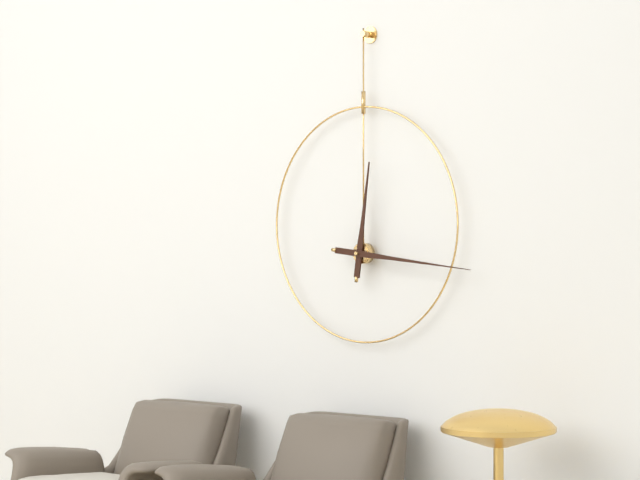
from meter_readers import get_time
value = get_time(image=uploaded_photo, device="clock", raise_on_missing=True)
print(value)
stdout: 12:16
